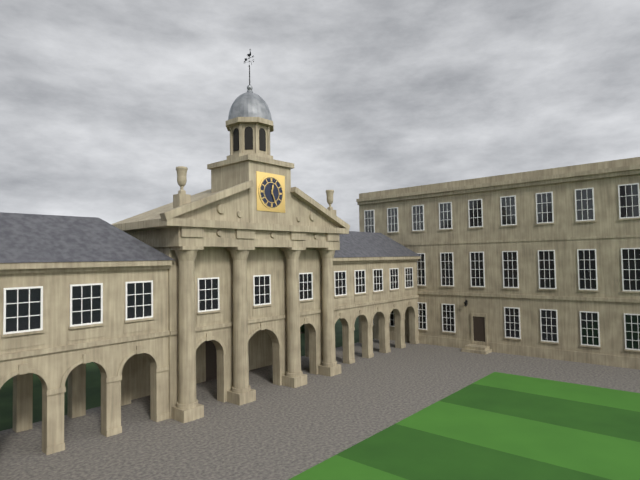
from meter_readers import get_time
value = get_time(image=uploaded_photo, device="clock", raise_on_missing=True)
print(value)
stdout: 12:26
